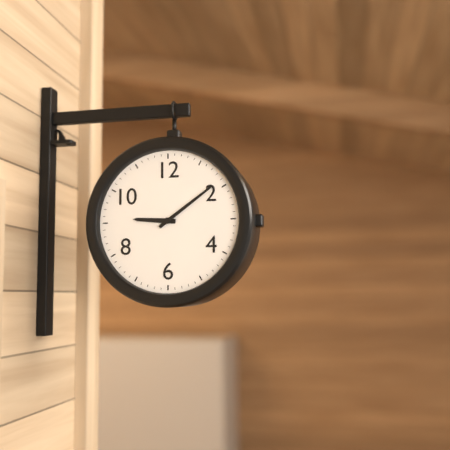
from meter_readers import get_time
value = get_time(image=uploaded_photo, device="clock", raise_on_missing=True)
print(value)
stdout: 9:09
